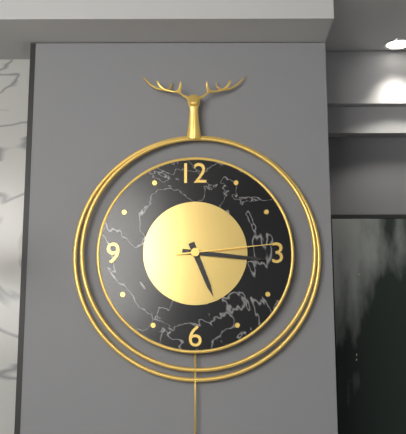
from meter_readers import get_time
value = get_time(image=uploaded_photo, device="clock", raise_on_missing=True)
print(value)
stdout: 5:16:14
